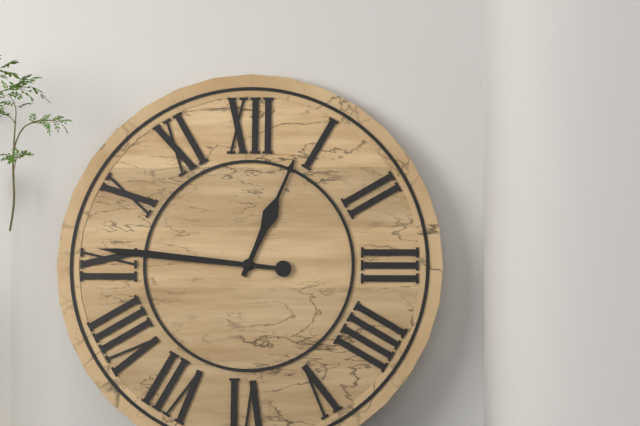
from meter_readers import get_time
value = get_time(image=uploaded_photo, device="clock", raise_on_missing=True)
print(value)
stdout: 12:46
